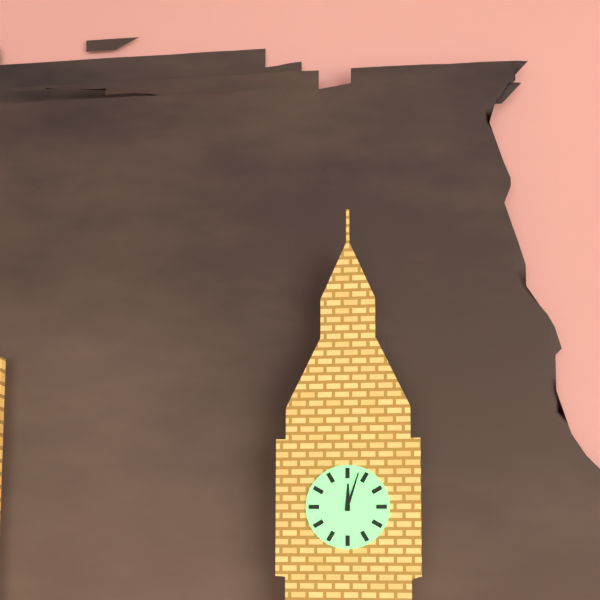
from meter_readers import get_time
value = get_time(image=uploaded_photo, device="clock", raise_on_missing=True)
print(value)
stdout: 12:03
